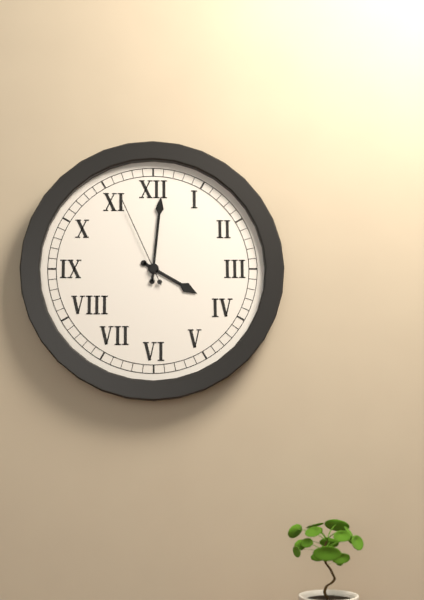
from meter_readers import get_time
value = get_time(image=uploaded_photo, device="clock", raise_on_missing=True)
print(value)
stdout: 4:01:56
